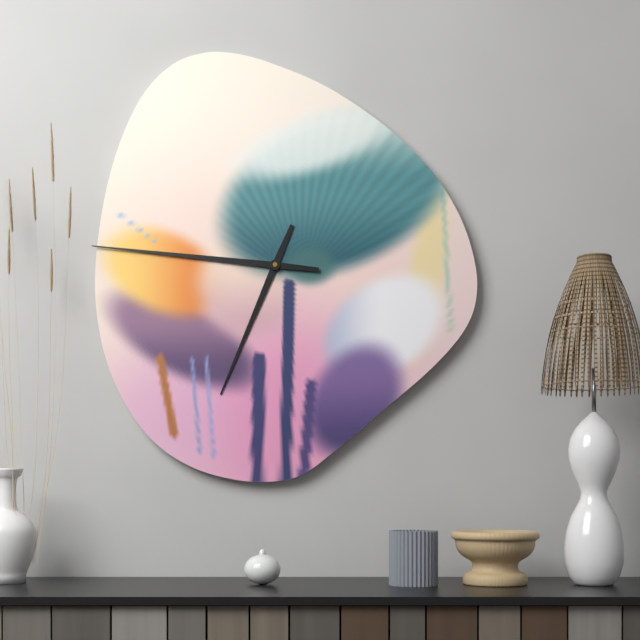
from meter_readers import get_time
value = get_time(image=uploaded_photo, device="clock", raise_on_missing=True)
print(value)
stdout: 6:46
